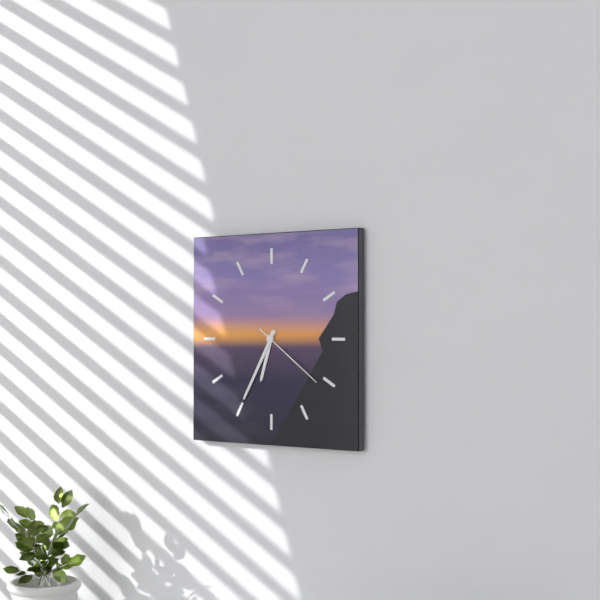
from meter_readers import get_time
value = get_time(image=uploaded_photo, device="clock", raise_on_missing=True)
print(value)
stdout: 6:35:21
